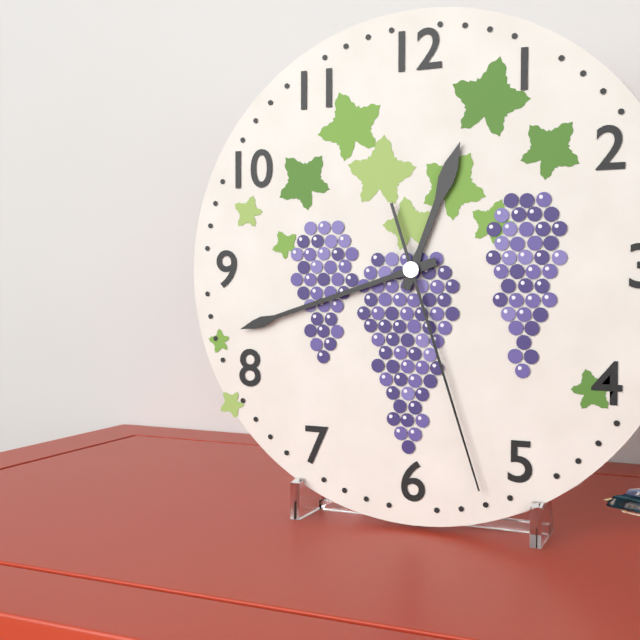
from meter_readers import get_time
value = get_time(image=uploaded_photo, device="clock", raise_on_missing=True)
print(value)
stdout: 12:42:27
